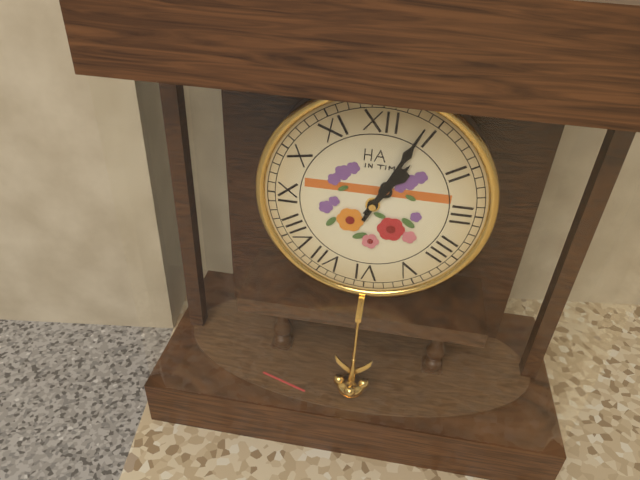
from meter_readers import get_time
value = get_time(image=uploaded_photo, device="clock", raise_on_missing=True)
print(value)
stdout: 1:04
